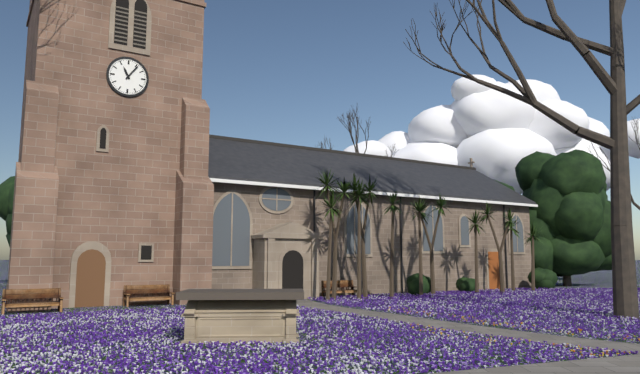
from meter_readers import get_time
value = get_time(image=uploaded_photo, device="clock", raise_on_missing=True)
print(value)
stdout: 11:06
